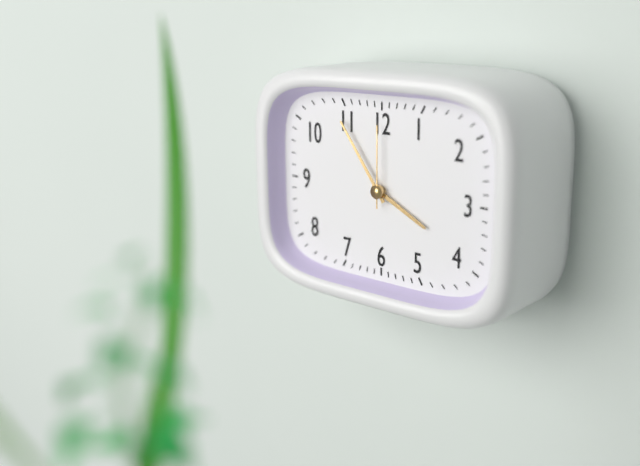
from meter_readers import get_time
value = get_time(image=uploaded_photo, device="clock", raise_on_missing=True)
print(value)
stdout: 3:54:00
